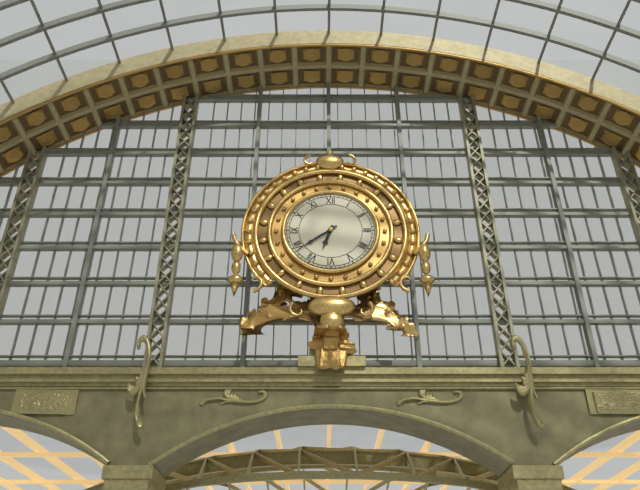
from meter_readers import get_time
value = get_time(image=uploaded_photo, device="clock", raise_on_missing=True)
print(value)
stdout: 6:39
